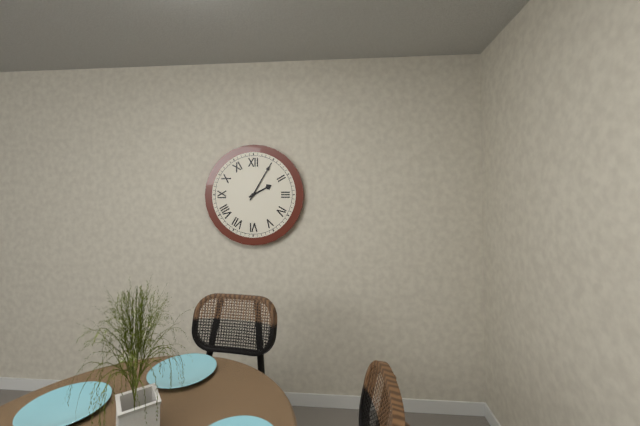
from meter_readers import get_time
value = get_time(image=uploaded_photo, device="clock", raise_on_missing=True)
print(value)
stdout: 2:05
